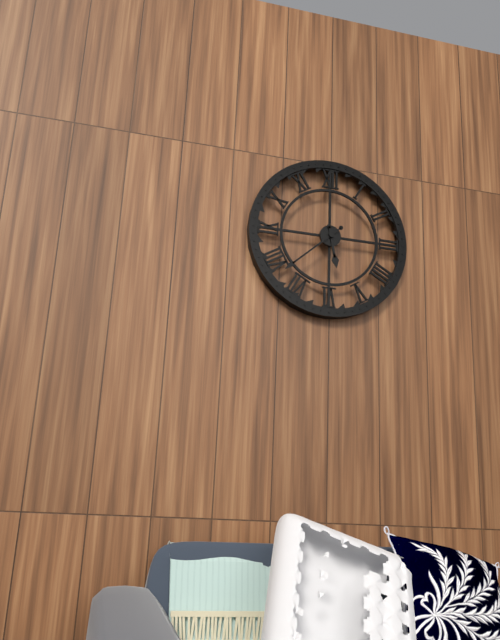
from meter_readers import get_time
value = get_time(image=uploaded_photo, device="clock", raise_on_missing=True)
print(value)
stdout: 5:38
